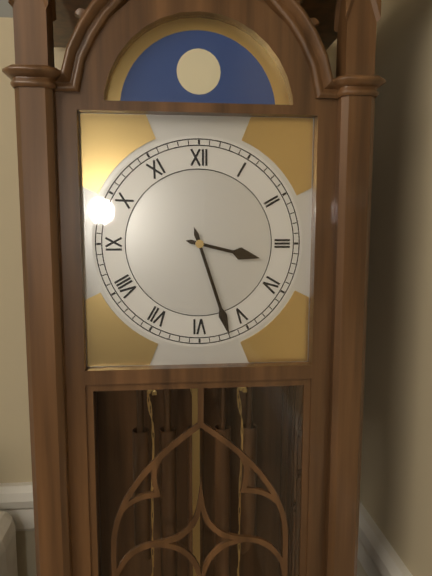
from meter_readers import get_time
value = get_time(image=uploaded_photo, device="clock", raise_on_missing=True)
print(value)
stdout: 3:27
